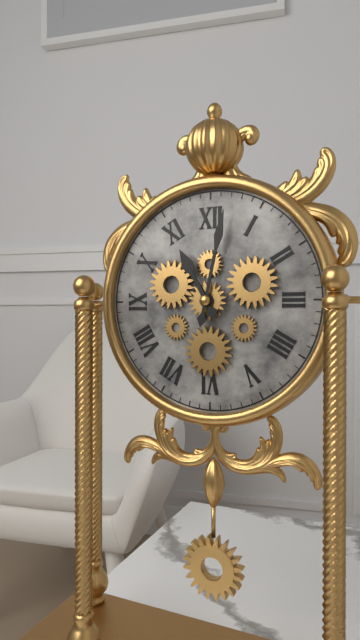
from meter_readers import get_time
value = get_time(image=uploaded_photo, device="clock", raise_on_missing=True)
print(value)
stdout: 11:02
